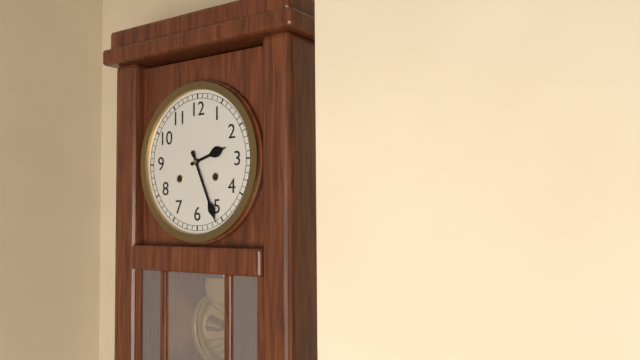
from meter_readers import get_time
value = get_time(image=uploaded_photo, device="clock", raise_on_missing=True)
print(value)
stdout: 2:26
